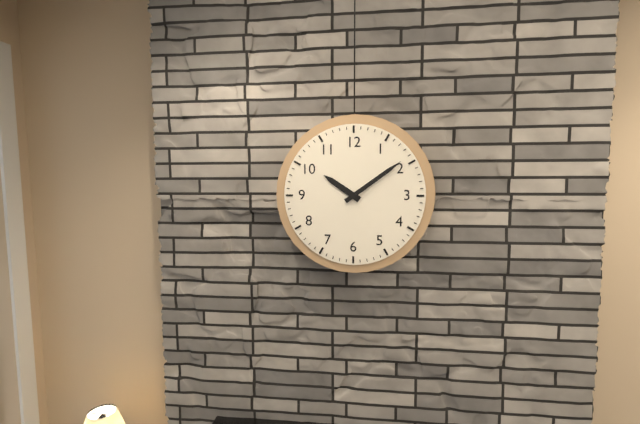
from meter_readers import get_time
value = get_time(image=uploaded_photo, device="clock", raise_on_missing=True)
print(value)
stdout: 10:09
